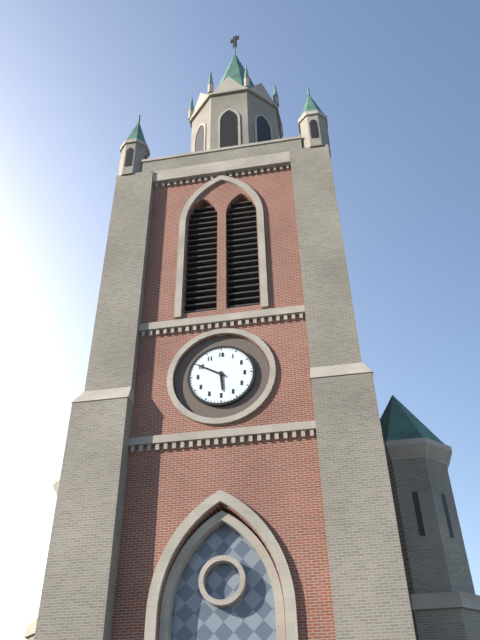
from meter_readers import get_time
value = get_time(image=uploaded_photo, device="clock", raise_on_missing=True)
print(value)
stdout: 5:50
